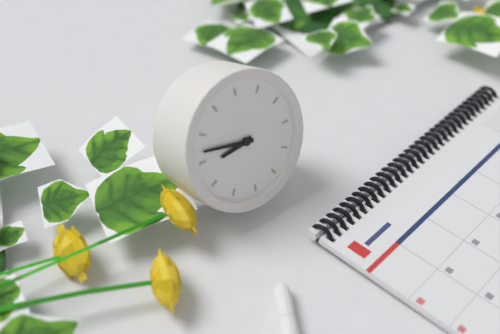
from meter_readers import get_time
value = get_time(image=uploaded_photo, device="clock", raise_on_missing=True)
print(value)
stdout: 8:47
